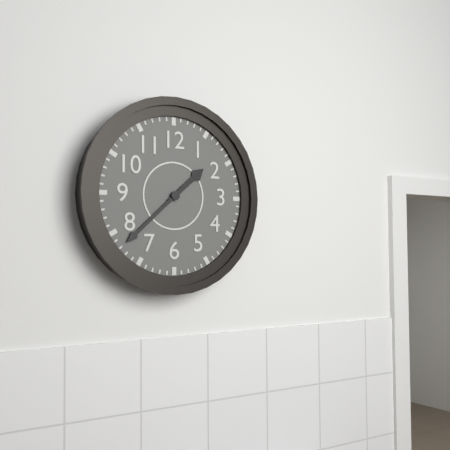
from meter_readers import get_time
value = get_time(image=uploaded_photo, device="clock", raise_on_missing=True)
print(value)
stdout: 1:38
